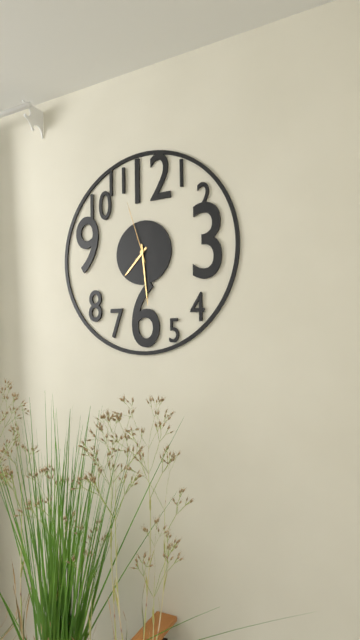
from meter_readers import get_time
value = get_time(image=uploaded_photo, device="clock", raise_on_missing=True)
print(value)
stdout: 7:29:57
